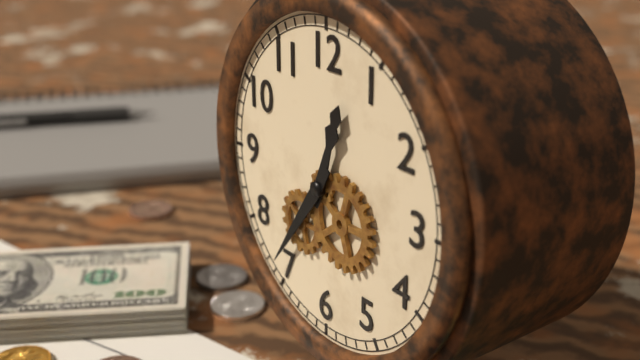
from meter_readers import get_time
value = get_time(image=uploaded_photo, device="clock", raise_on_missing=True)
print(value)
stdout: 12:36
